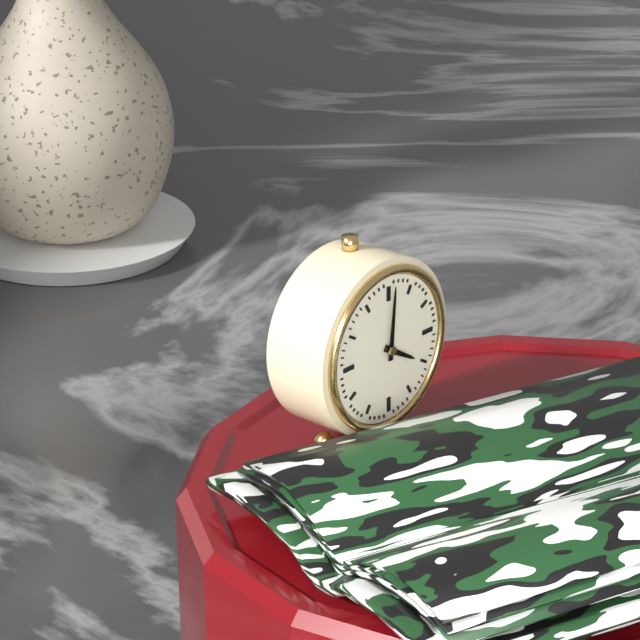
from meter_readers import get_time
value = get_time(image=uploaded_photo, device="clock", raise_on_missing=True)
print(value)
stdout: 4:01
